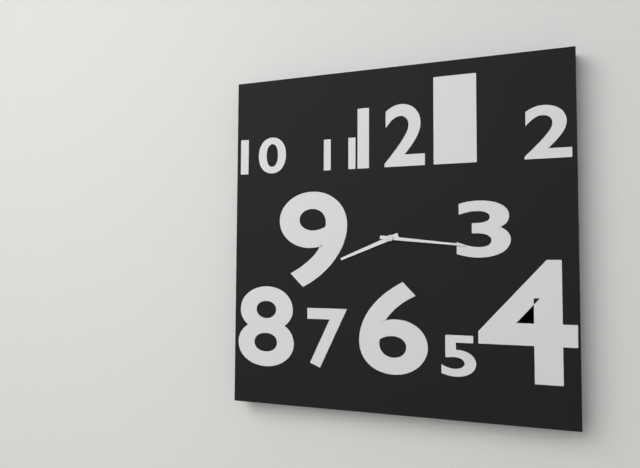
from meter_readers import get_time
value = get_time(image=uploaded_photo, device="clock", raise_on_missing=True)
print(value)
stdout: 8:16
